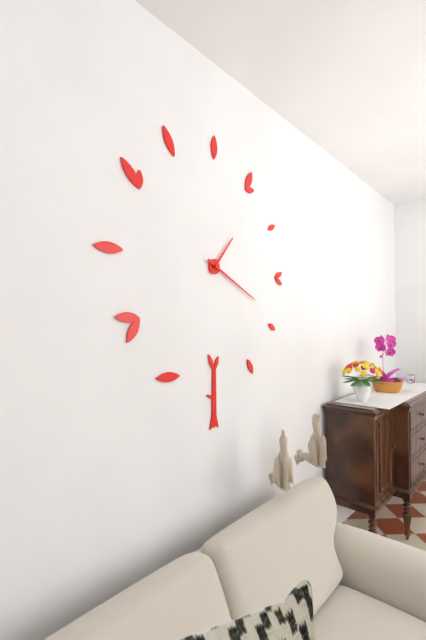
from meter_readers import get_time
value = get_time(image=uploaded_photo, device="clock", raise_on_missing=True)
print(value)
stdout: 1:19
